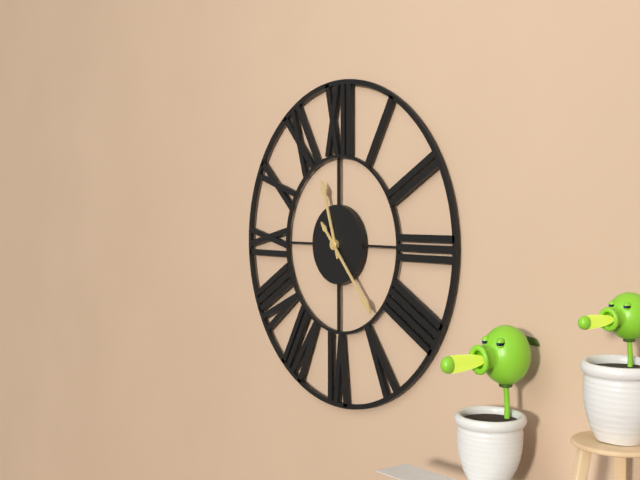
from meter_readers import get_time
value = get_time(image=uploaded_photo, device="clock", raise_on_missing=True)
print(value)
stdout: 11:23
